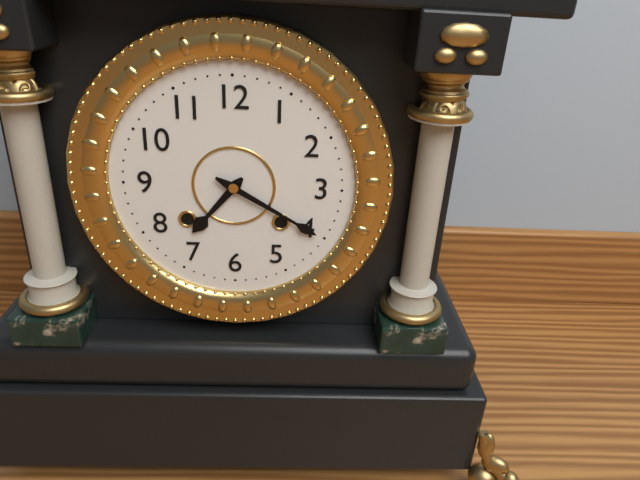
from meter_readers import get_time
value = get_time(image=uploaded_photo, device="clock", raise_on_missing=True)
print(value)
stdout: 7:20
